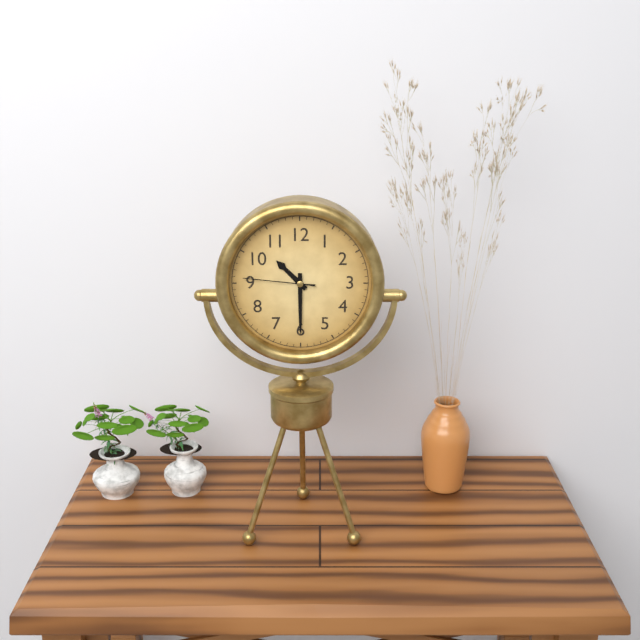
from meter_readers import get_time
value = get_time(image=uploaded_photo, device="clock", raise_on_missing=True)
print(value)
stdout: 10:30:46
